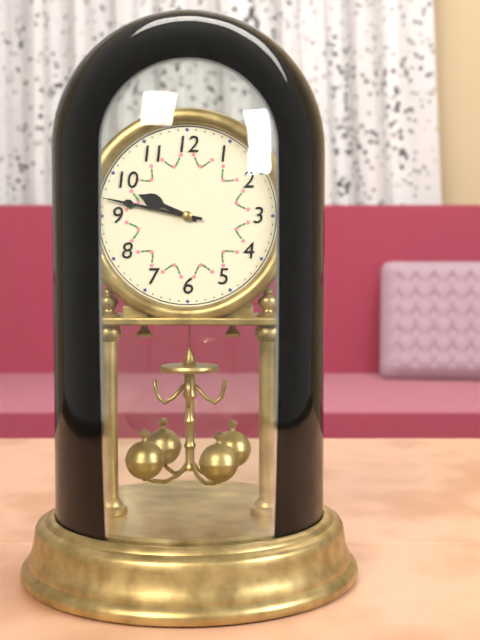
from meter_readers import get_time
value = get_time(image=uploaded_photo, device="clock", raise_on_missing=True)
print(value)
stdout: 9:47
